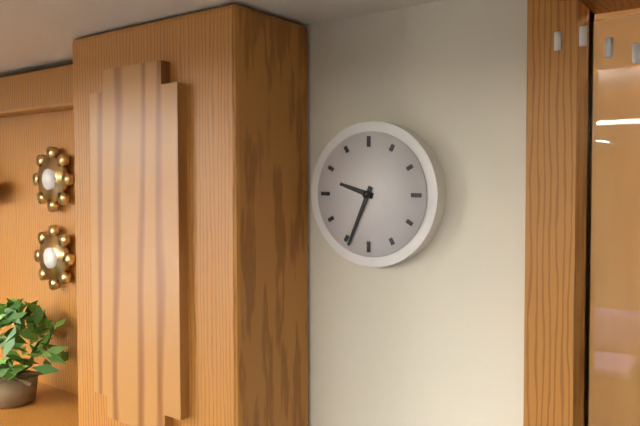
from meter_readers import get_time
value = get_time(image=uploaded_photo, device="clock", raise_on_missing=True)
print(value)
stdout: 9:34
